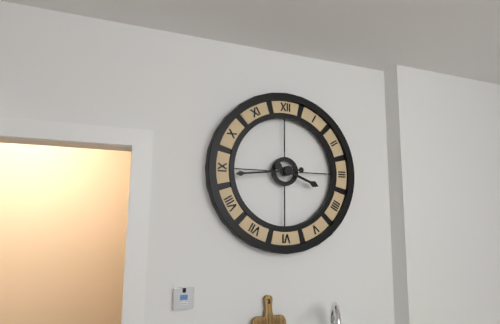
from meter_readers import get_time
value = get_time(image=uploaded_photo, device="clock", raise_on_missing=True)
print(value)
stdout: 3:44
